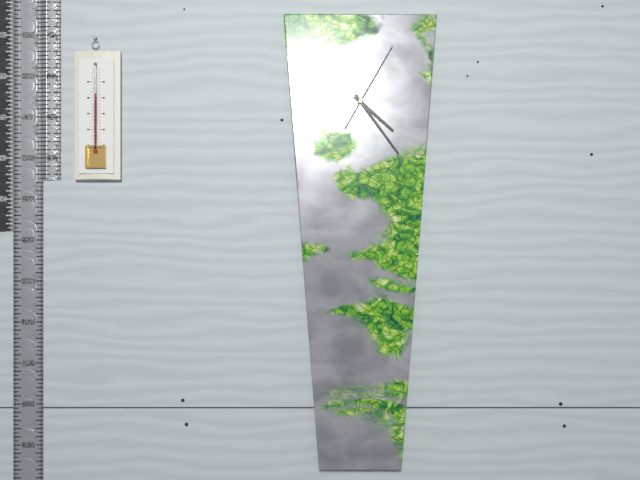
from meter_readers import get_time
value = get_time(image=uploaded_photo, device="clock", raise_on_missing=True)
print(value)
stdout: 4:24:05
